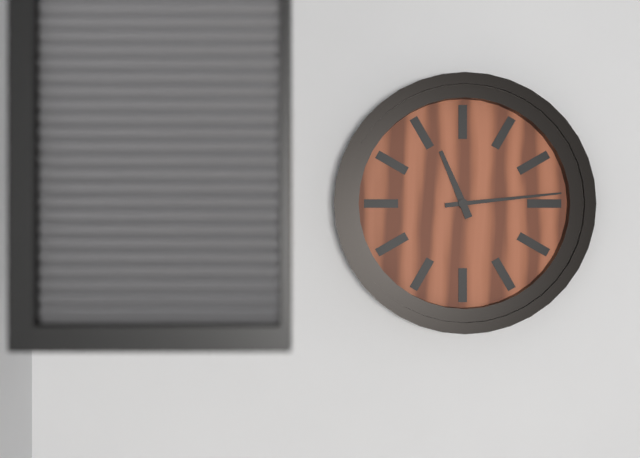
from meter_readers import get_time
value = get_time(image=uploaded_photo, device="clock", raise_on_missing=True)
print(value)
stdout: 11:14
